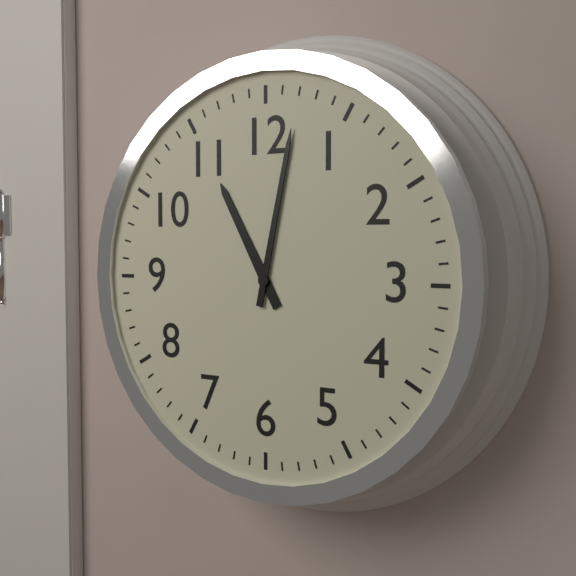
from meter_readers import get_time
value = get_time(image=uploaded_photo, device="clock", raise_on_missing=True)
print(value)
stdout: 11:02
